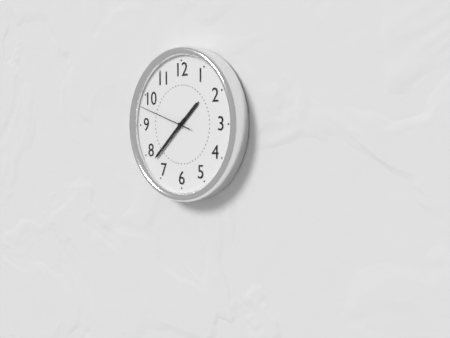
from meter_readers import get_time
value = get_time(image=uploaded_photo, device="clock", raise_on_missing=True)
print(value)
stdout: 1:38:48
